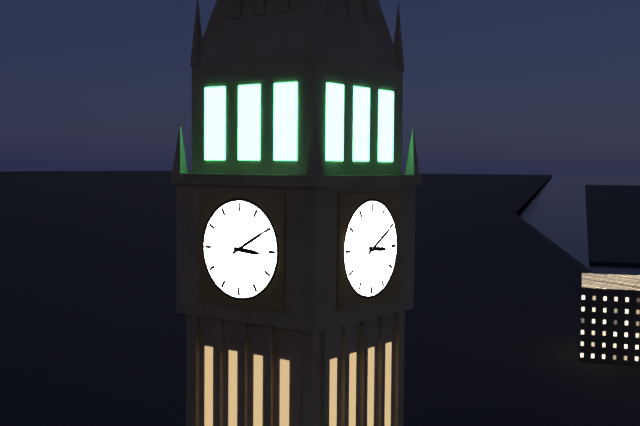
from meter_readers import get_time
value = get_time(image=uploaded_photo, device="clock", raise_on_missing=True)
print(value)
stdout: 3:10
